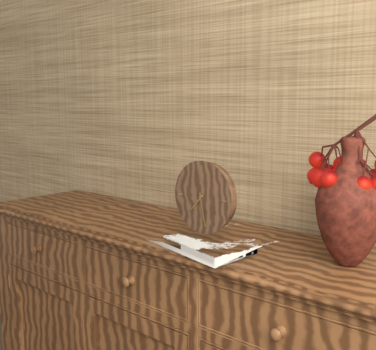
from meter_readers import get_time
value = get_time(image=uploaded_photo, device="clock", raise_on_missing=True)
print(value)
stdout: 7:28
